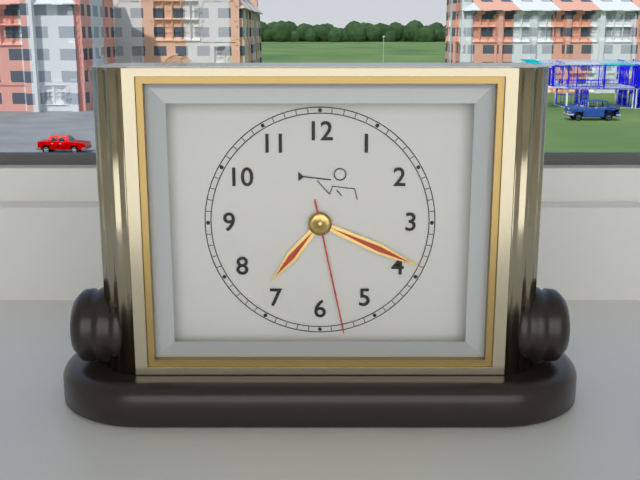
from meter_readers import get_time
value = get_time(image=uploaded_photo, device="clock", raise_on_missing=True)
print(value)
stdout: 7:19:28
